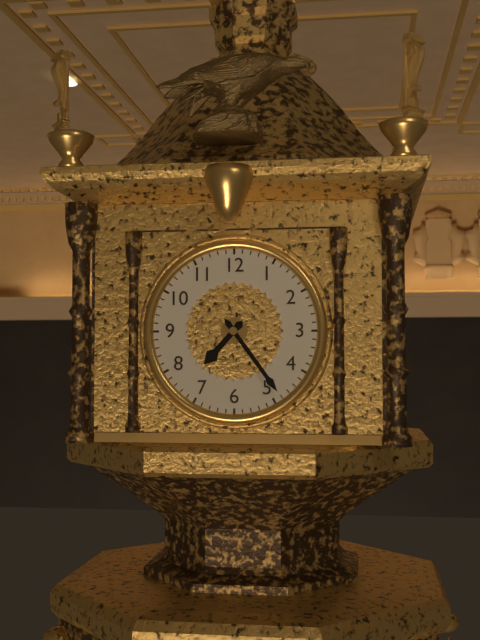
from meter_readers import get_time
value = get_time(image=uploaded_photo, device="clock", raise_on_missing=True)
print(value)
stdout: 7:24
